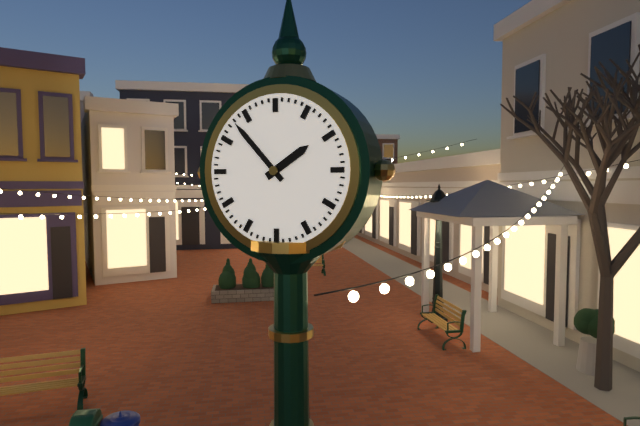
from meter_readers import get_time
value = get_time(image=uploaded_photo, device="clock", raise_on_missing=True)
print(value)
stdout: 1:53
